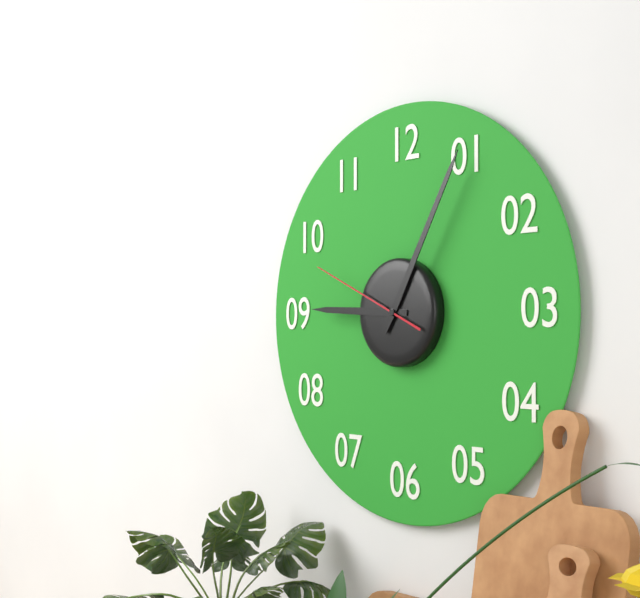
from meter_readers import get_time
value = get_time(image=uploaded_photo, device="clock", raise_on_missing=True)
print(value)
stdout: 9:05:49
